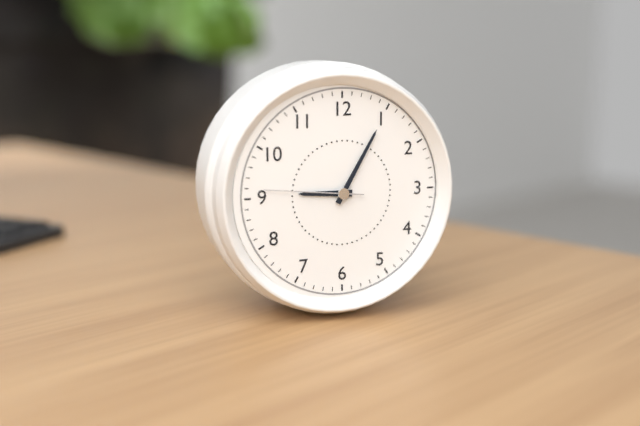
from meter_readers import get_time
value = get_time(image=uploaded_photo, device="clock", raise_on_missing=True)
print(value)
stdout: 9:05:46
